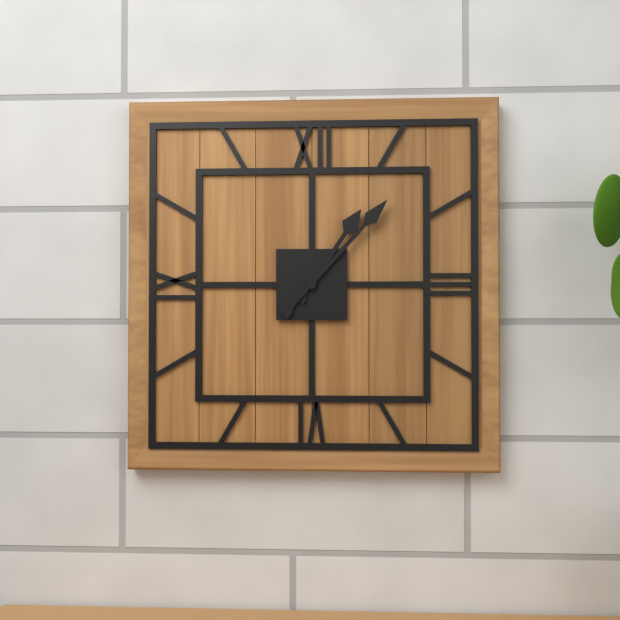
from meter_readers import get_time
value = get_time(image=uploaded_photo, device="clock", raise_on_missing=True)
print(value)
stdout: 1:07
